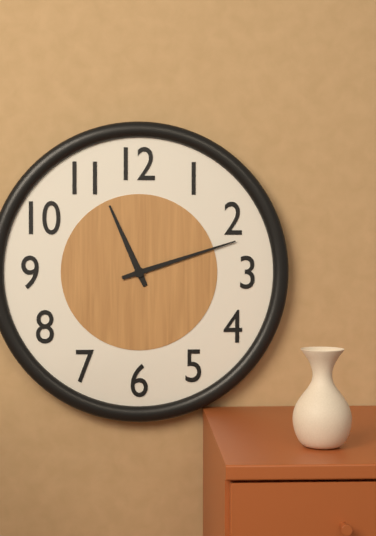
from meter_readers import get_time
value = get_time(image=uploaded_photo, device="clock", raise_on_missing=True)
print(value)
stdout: 11:12
